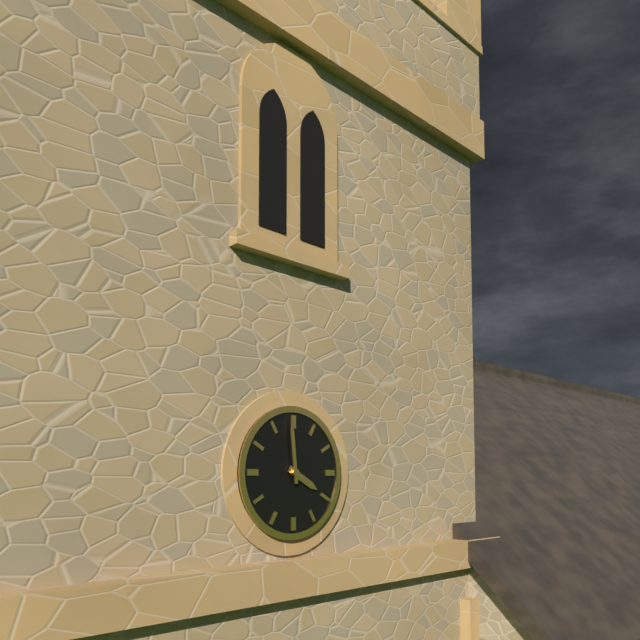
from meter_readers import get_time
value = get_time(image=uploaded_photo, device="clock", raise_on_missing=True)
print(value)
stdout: 3:59
